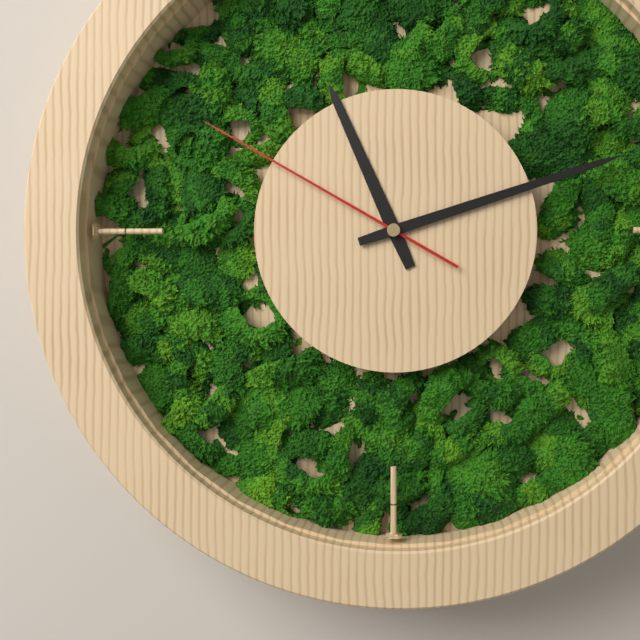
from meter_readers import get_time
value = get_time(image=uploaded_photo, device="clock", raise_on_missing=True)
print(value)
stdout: 11:12:50
